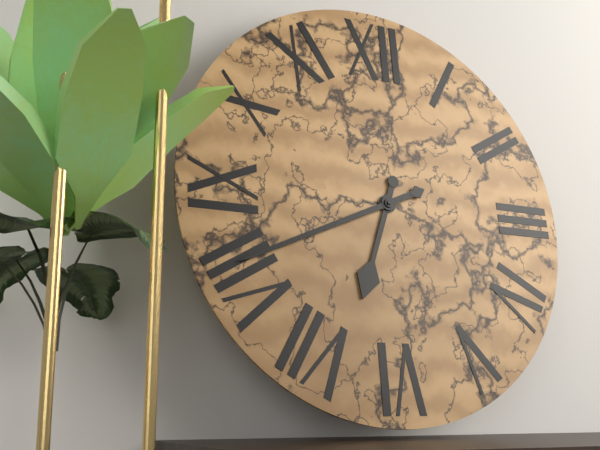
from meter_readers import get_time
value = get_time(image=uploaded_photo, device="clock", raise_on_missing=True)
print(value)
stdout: 6:41
